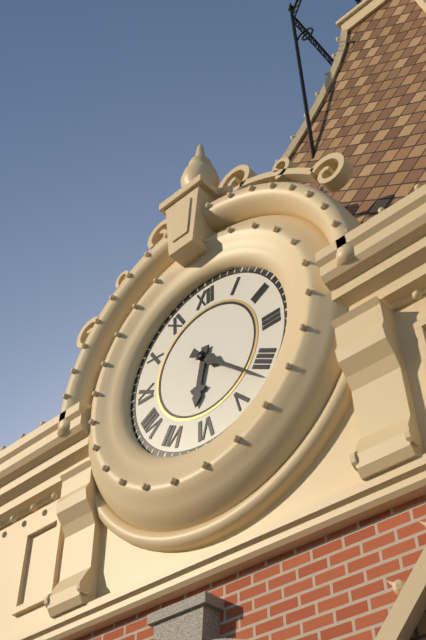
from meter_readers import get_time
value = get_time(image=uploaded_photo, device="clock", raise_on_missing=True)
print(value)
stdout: 6:22
